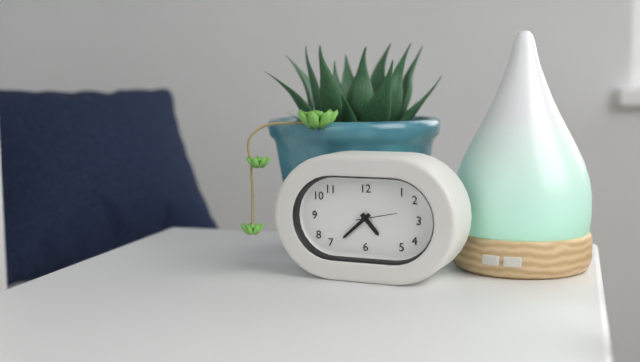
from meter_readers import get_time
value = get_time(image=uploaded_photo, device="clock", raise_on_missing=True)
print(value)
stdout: 4:38
